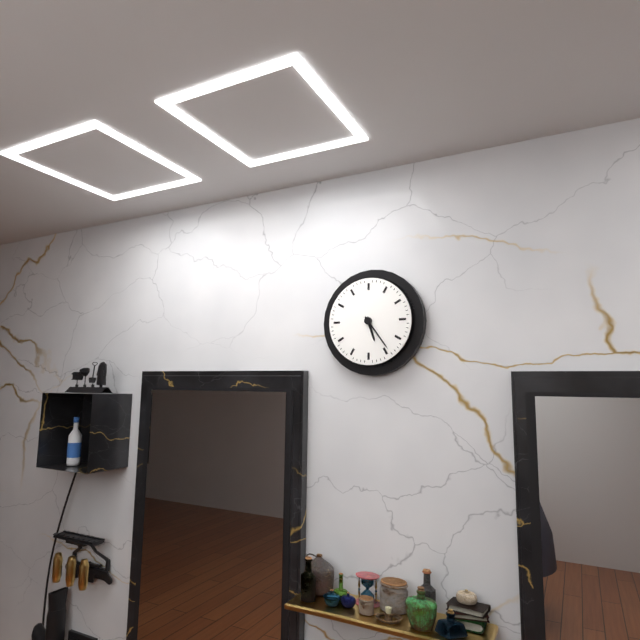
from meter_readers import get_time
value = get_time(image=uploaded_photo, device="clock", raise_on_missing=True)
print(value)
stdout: 5:24
